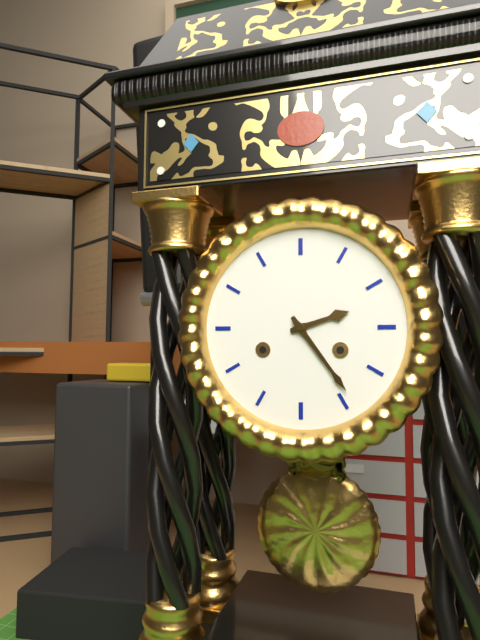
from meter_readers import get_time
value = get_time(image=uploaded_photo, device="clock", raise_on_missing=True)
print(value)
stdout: 2:24
